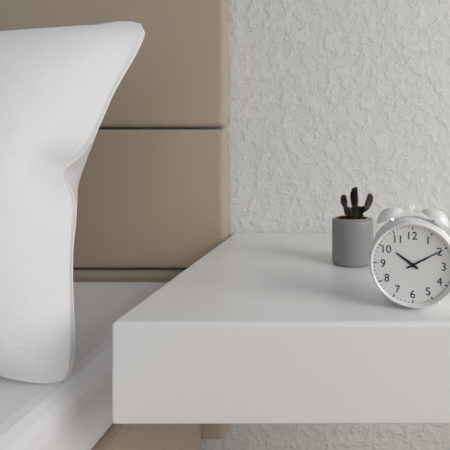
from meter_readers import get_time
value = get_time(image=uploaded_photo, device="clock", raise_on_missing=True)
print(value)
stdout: 10:10
